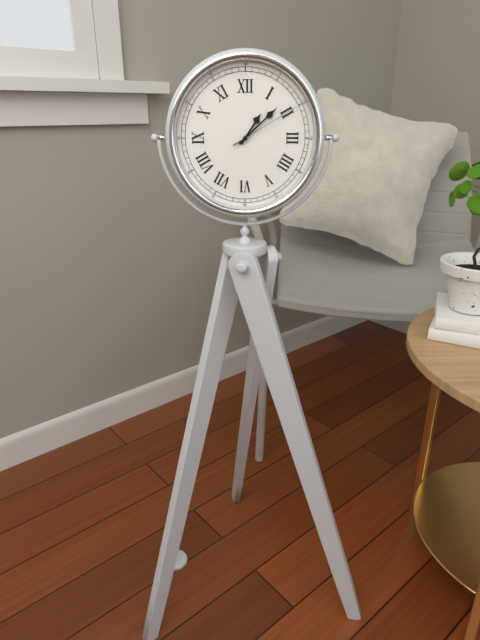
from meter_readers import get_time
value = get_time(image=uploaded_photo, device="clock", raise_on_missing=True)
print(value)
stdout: 1:08:10
